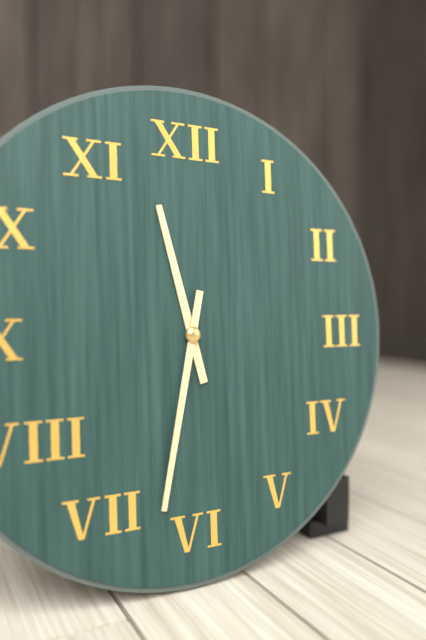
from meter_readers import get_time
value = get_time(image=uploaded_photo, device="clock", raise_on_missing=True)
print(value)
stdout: 11:32
